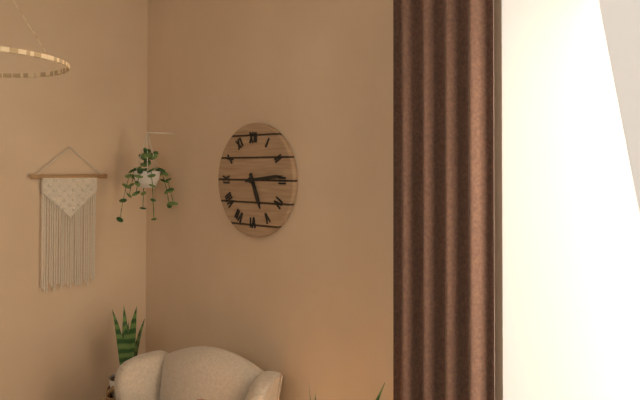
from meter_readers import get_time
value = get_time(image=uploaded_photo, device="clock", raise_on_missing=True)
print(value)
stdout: 5:14
